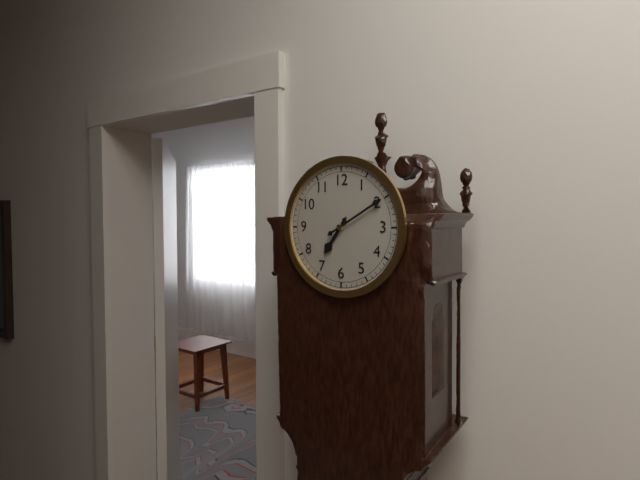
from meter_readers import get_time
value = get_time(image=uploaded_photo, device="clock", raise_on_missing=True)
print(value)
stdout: 7:10
